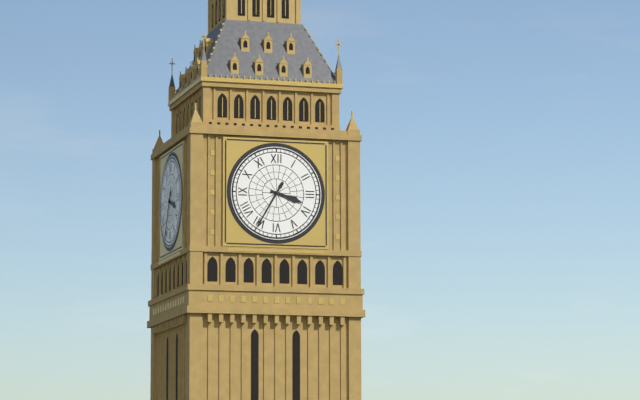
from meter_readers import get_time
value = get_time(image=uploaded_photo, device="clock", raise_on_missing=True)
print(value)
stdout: 3:35
